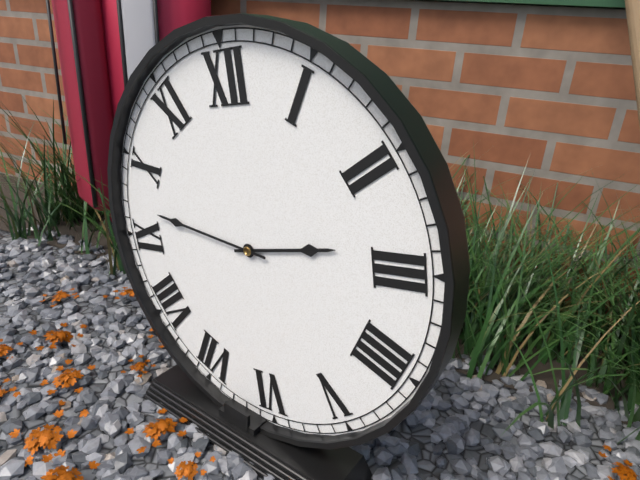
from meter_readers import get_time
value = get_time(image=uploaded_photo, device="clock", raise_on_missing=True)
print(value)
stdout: 2:47
